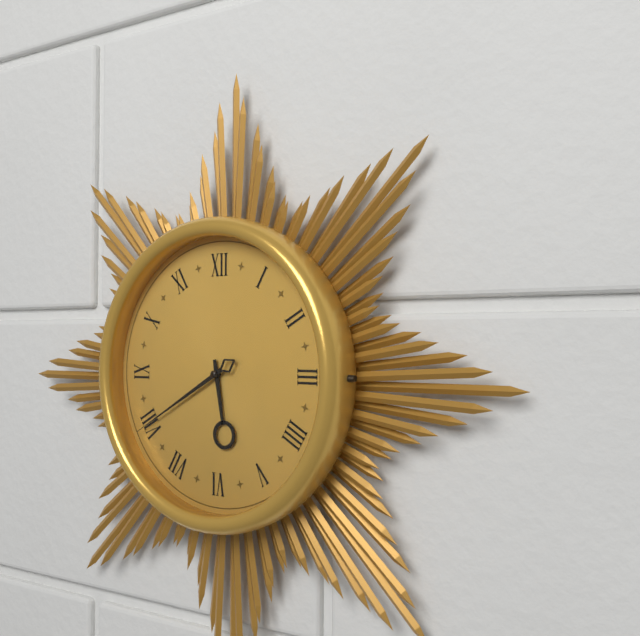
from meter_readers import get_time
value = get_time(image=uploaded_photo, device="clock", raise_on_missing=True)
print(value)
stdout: 5:40
